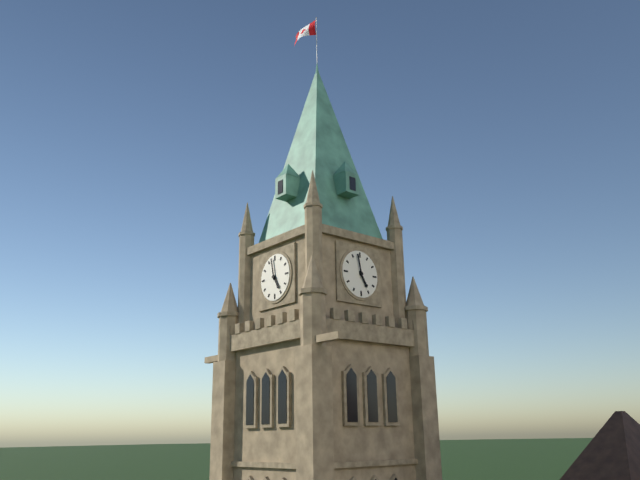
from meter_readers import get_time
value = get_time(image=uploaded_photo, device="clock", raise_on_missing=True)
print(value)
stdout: 4:58
